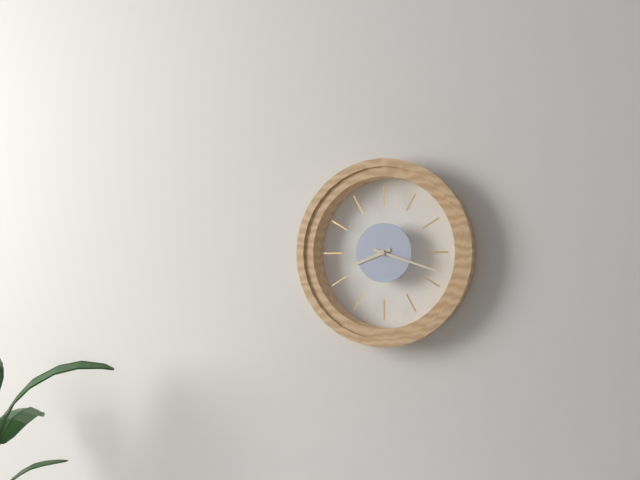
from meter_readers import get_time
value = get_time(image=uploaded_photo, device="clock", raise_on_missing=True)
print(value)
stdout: 8:18
